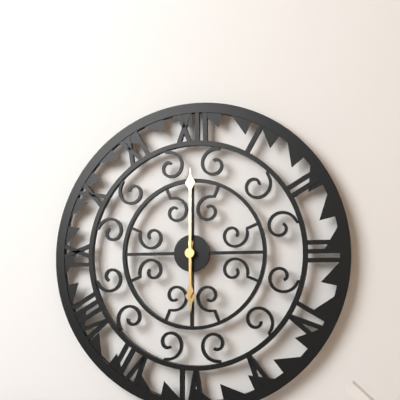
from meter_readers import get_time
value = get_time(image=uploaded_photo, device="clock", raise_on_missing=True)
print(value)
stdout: 6:00
